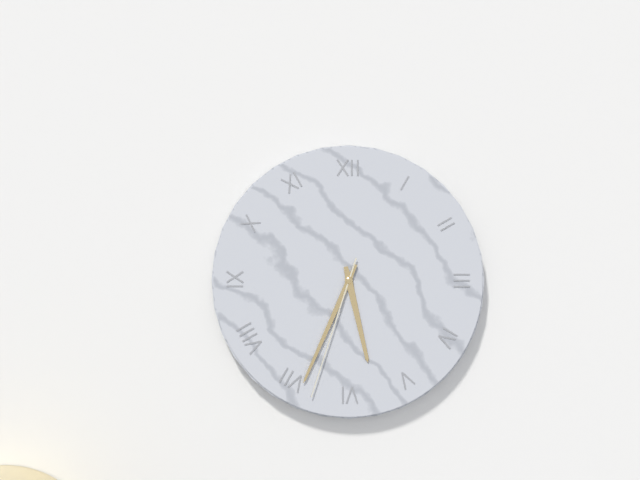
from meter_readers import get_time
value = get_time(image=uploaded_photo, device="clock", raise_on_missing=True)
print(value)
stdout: 5:34:33
